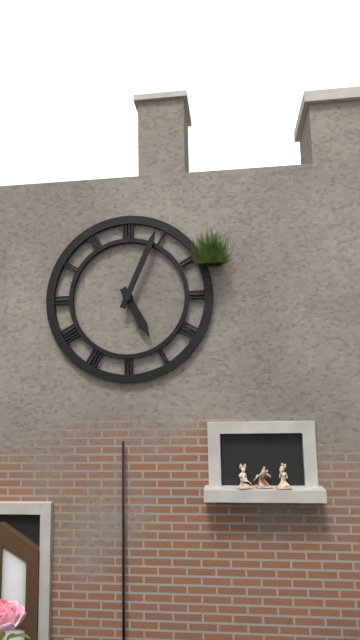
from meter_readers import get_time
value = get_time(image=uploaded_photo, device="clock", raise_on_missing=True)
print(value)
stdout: 5:04
